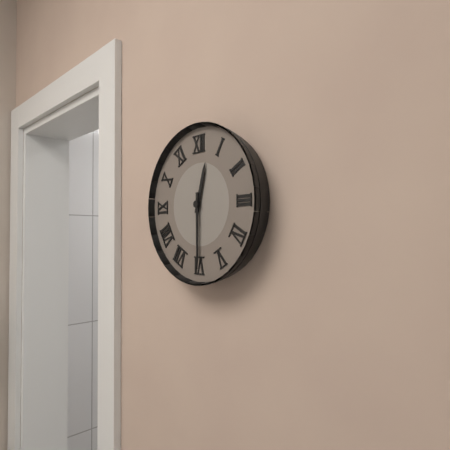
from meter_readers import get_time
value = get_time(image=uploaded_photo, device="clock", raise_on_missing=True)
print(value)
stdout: 12:30
